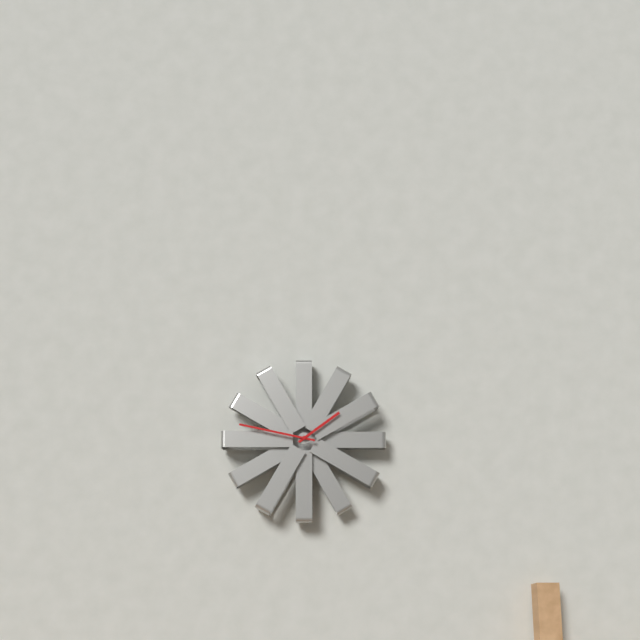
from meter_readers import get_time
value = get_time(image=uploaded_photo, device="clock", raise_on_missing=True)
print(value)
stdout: 1:47
